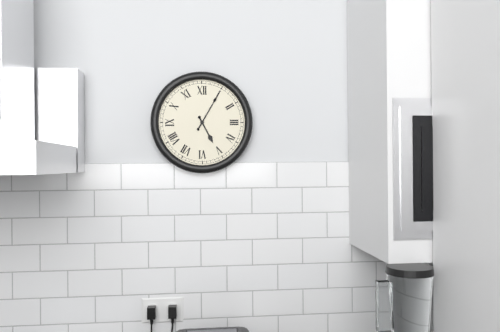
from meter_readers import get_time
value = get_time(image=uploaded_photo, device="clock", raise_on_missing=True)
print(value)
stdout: 5:05
